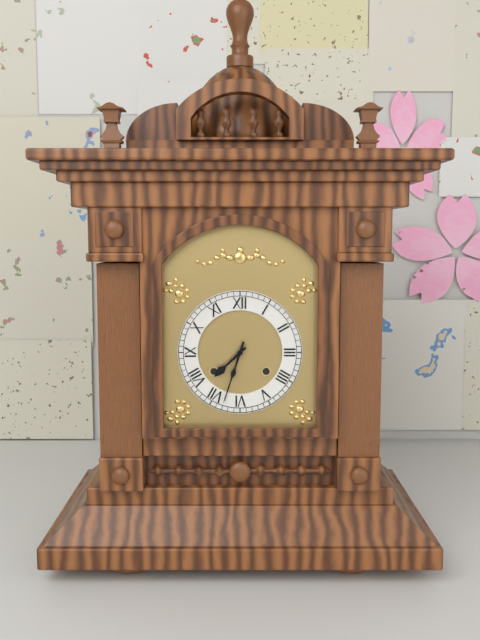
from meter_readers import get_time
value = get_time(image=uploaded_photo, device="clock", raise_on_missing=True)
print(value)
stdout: 7:33
